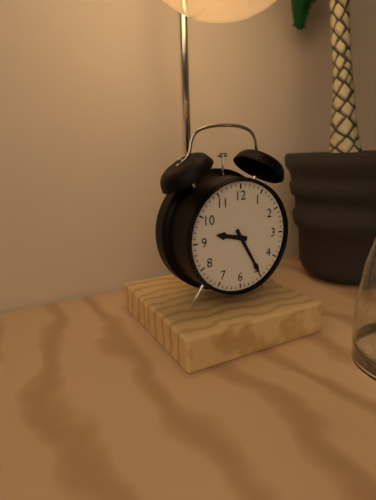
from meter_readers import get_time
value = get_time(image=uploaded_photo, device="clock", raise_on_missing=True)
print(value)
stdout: 9:25
